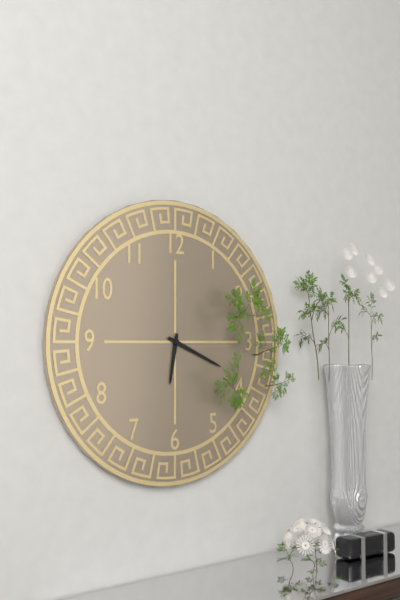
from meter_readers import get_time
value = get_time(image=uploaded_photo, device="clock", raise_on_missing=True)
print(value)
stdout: 6:19
